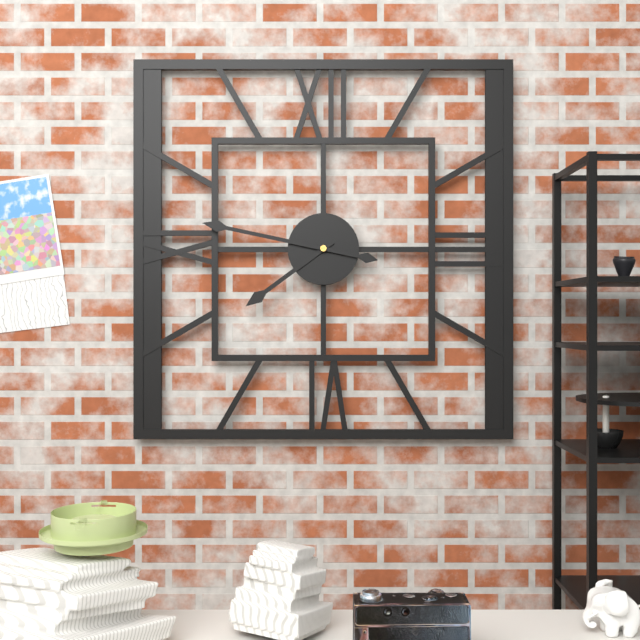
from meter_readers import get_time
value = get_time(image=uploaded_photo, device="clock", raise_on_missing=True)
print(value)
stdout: 7:47
